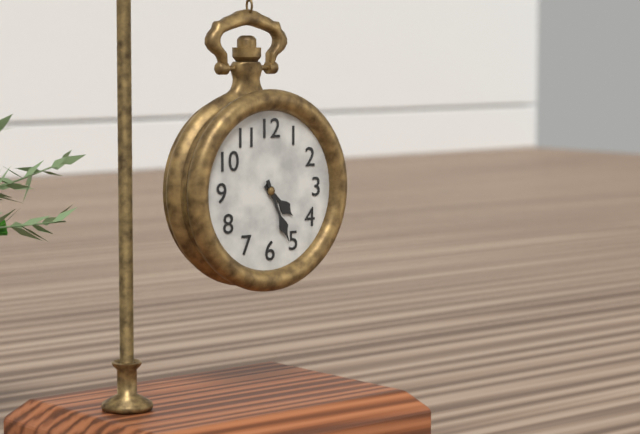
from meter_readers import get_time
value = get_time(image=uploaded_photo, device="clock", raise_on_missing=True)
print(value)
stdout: 4:26
